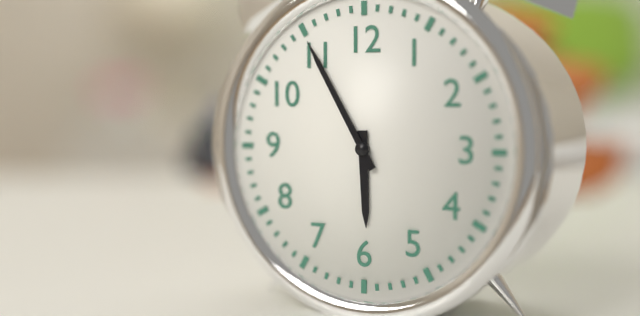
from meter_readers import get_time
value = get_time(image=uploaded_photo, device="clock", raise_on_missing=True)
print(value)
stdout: 5:55
